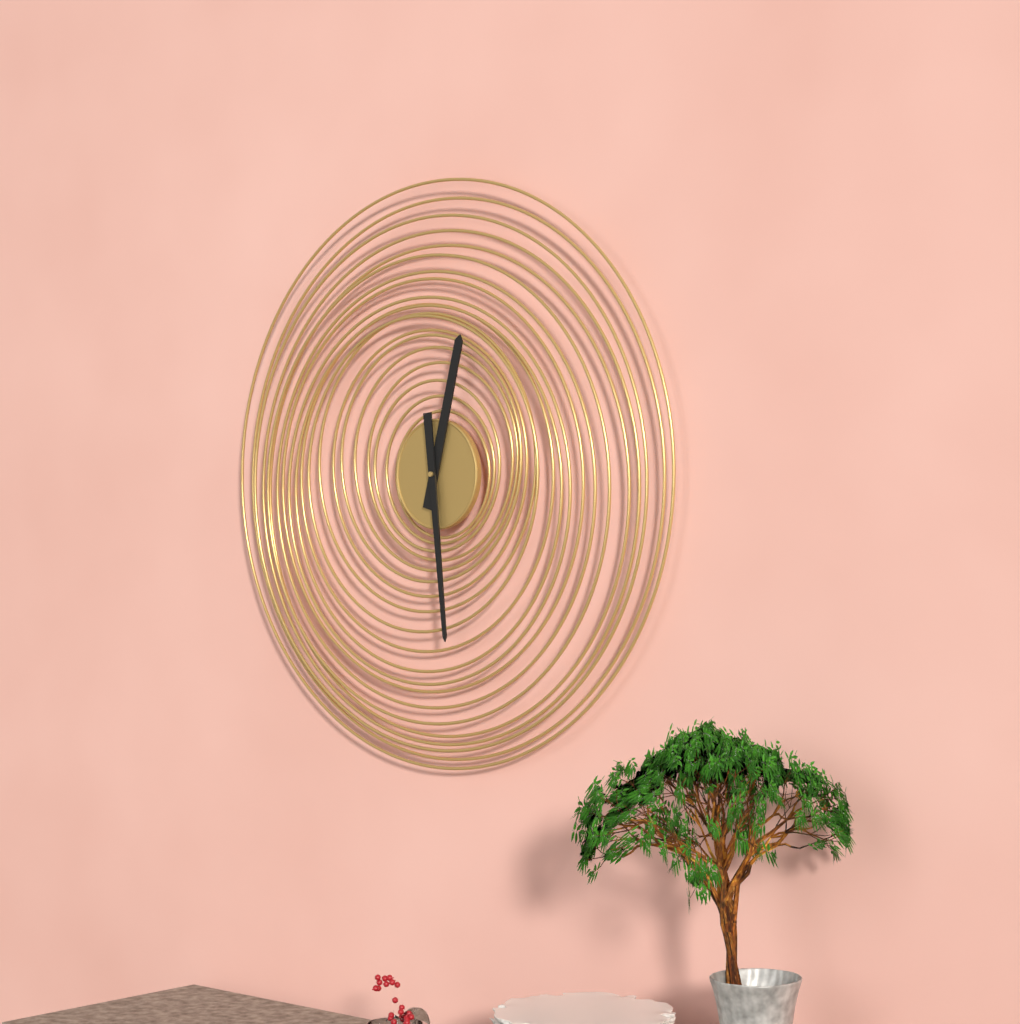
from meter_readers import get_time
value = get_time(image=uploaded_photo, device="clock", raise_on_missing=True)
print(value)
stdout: 12:29
